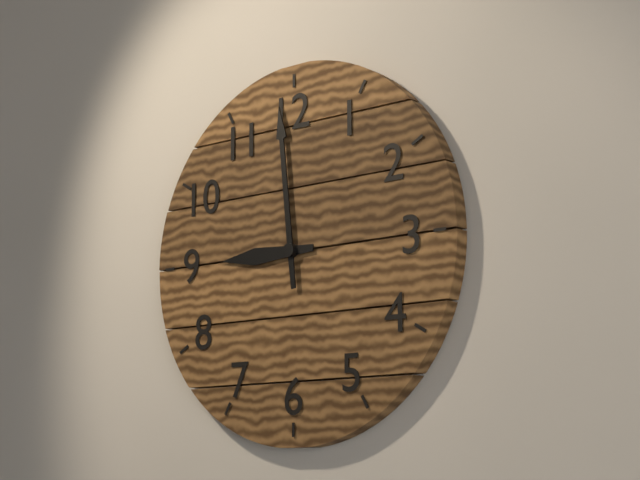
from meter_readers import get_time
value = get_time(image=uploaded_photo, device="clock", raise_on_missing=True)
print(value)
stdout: 8:59
